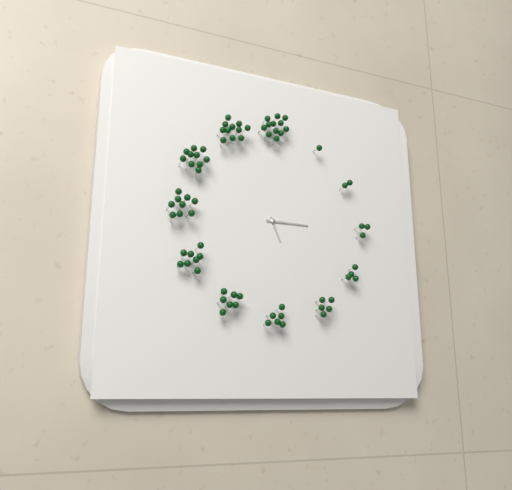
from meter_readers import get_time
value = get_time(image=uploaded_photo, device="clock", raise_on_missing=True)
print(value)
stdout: 5:15
